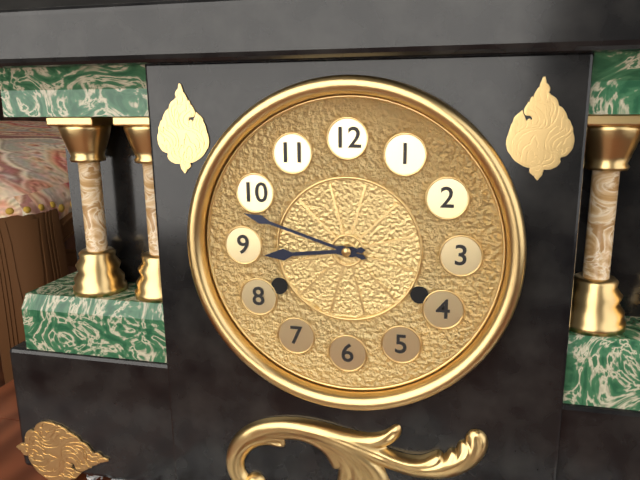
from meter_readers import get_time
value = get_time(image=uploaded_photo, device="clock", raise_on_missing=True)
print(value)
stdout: 8:48
